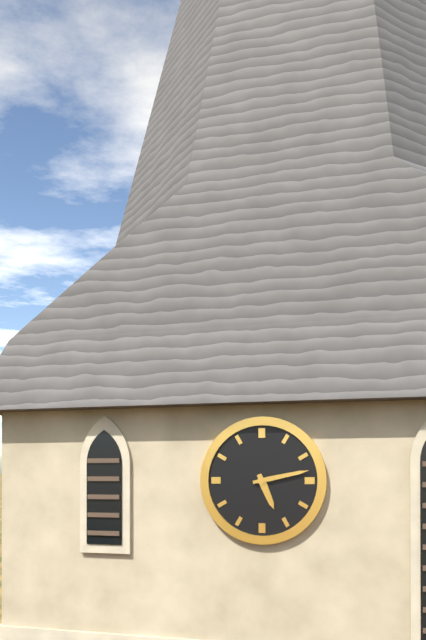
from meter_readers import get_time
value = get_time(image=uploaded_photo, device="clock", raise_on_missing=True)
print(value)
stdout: 5:13
